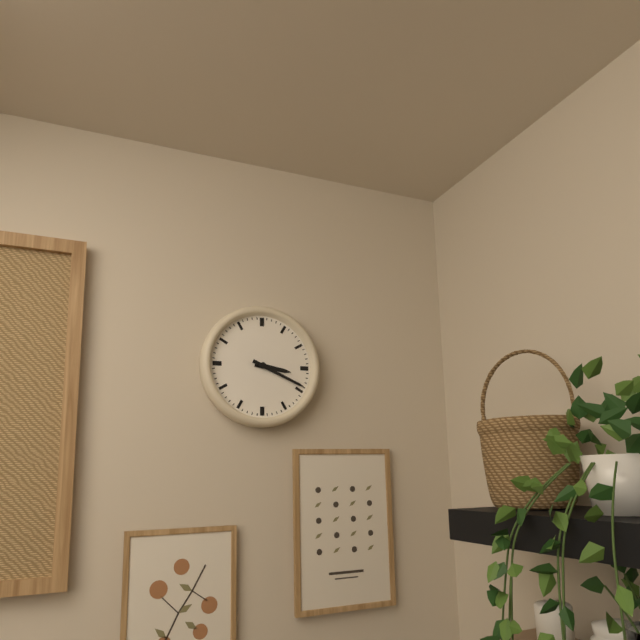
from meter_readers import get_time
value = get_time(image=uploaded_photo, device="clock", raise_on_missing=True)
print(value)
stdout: 3:19
